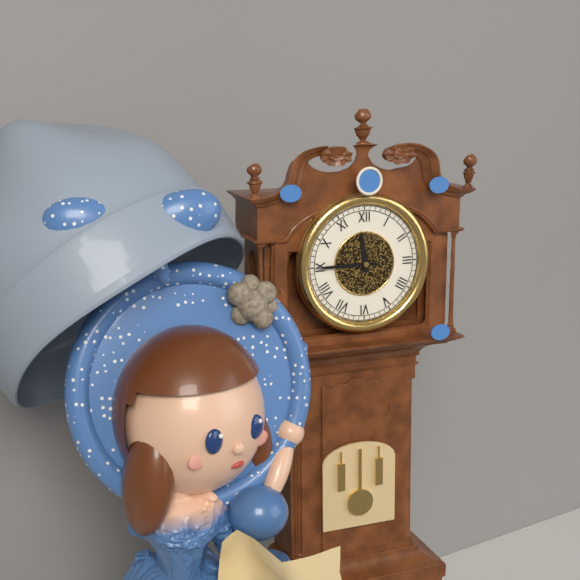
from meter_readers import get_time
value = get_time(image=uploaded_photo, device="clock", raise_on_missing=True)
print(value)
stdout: 11:45
